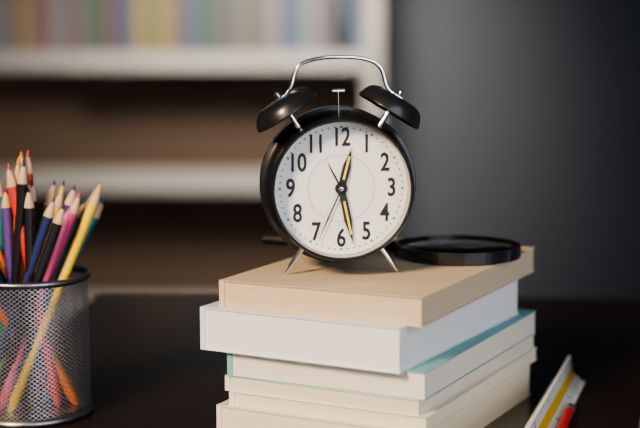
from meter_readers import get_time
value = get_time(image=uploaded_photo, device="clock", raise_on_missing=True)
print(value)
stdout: 12:28:34
